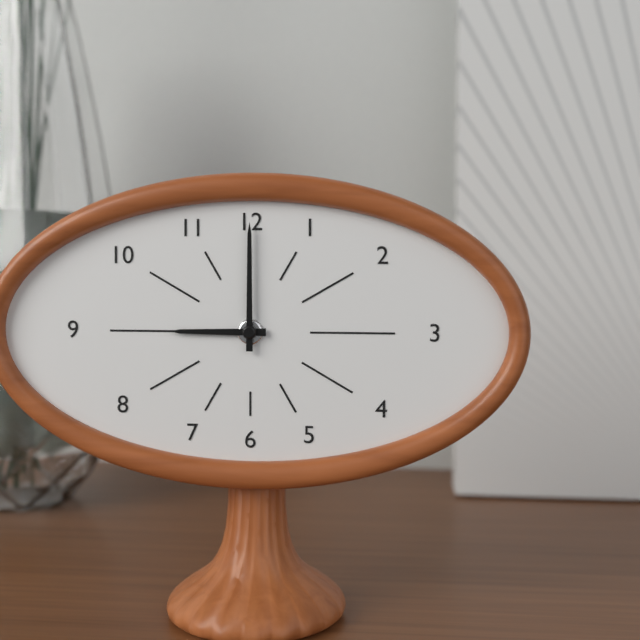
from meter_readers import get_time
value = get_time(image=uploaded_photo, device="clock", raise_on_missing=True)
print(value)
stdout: 9:00
